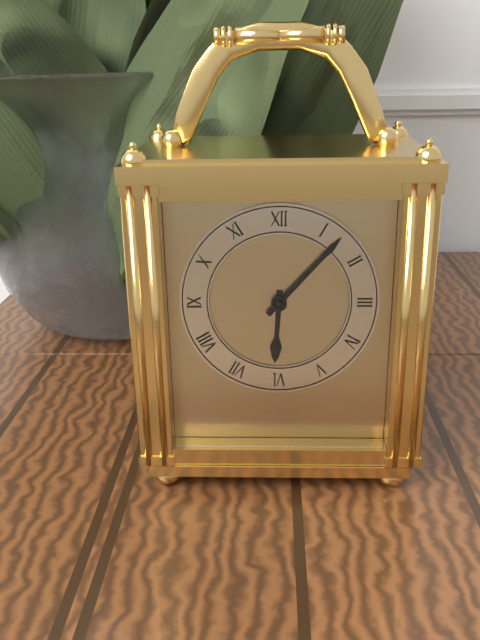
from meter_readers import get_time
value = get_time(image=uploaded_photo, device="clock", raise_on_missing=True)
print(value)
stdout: 6:07
